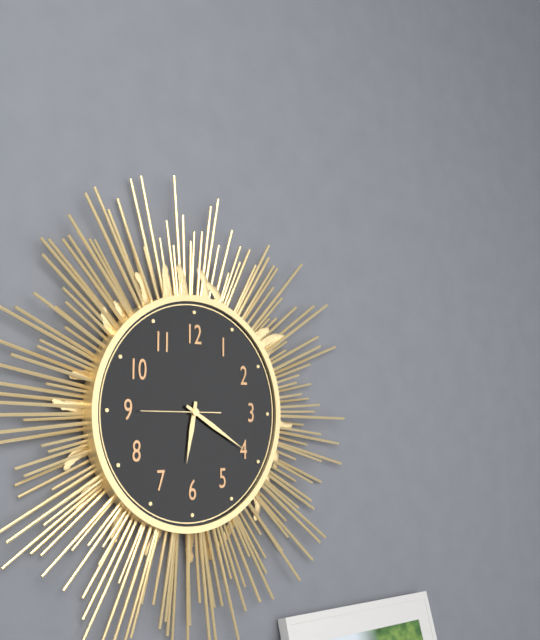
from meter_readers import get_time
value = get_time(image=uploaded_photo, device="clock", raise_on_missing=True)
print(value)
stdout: 6:20:45
